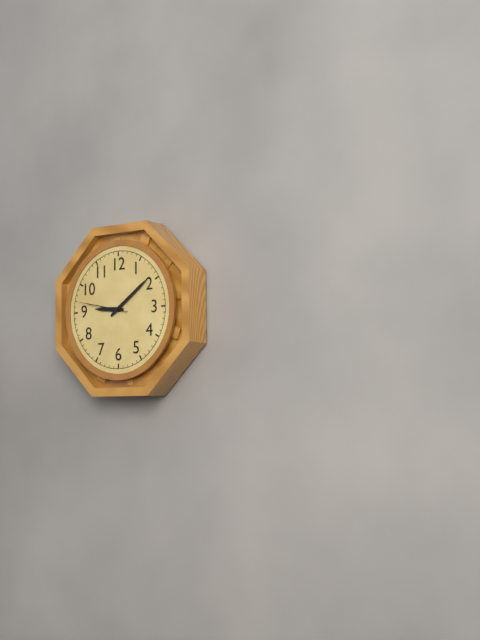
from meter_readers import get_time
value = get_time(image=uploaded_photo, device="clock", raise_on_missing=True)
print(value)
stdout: 9:09:47
